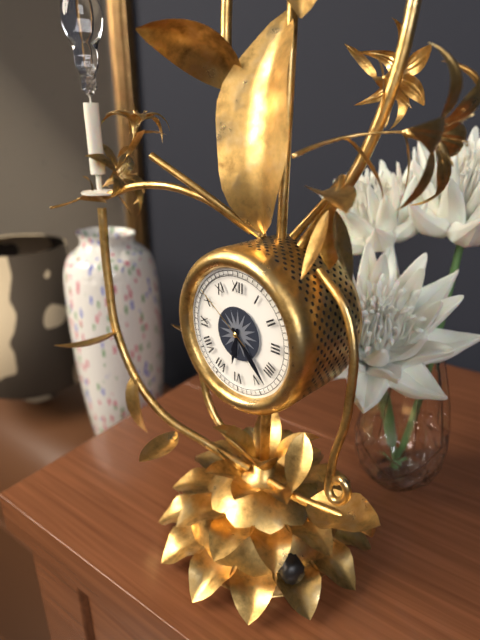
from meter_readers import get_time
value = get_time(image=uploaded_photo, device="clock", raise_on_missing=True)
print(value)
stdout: 6:23:51
